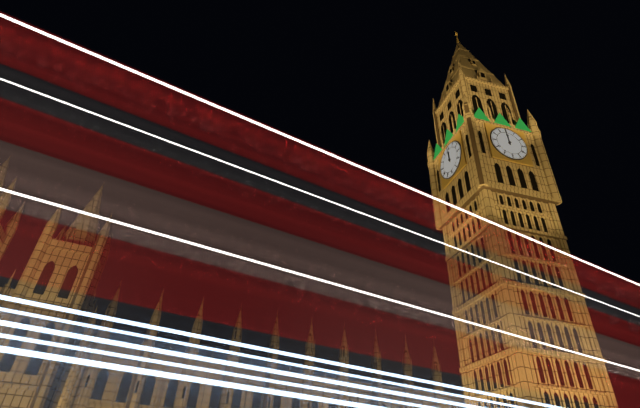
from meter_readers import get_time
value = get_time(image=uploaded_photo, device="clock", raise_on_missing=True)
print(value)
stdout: 11:59
